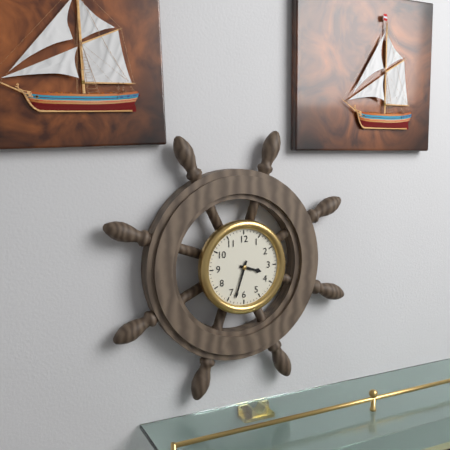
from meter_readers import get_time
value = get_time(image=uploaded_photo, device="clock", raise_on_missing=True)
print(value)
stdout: 3:33
